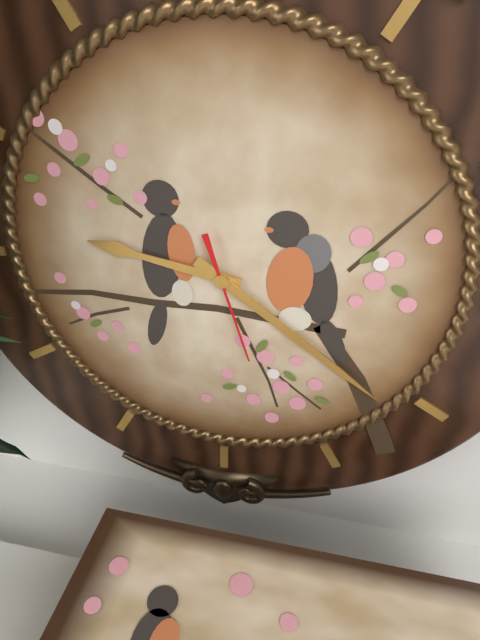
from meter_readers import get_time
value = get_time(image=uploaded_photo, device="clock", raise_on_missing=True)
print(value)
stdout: 9:21:27
